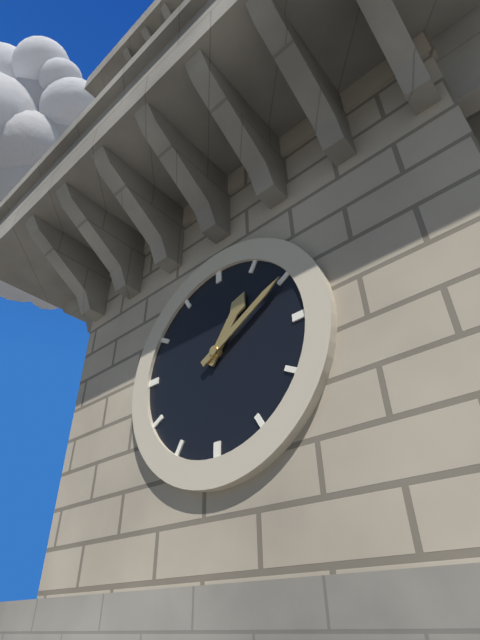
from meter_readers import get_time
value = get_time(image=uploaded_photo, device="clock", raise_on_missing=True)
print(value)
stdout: 1:10
